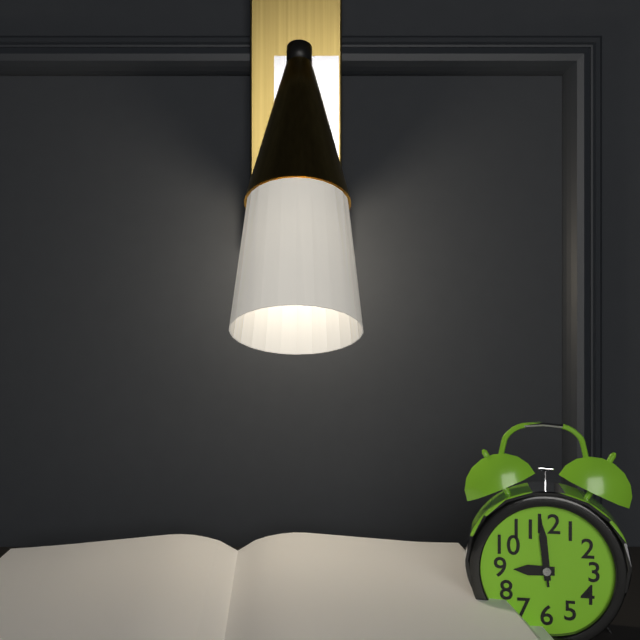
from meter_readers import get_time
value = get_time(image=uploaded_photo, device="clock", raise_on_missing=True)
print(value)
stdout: 8:59:59
